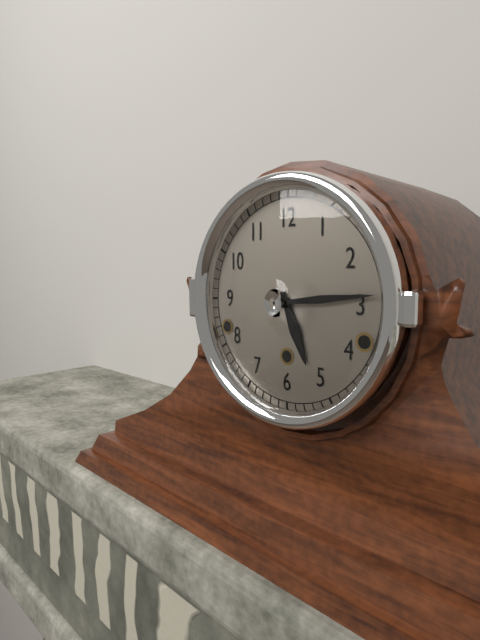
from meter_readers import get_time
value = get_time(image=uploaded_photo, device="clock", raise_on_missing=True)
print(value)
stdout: 5:14
